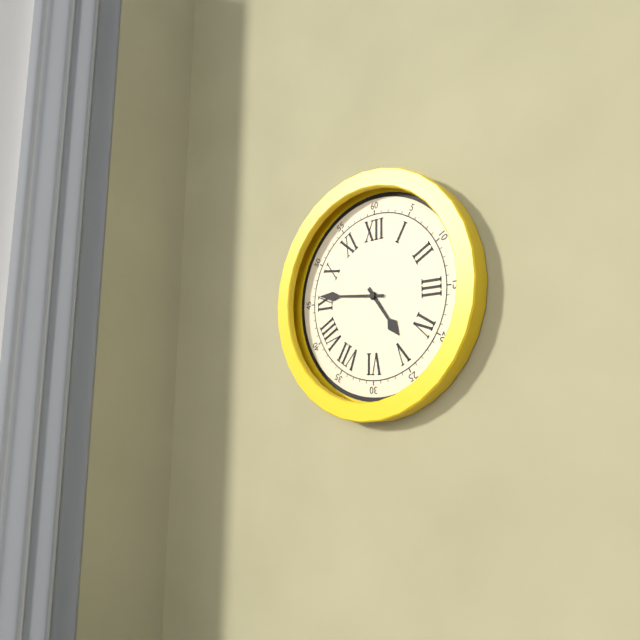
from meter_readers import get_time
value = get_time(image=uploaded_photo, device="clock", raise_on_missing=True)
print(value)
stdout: 4:46
